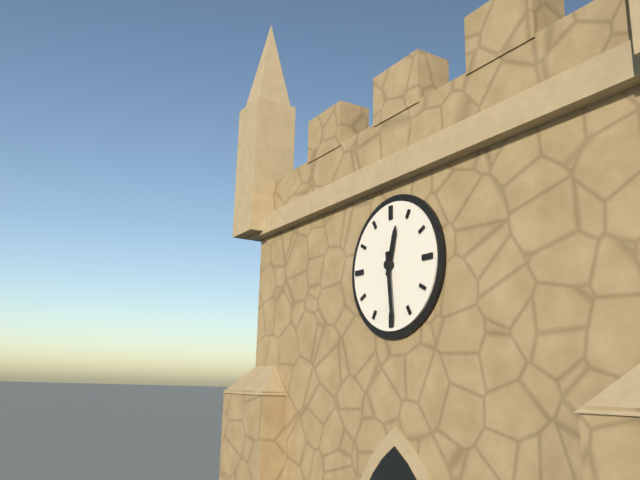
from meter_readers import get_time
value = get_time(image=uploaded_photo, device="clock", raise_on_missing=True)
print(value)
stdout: 12:29
